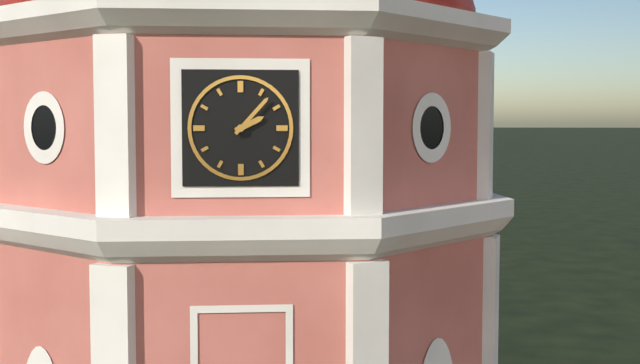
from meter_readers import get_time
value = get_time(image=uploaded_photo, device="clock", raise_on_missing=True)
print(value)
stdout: 2:07
